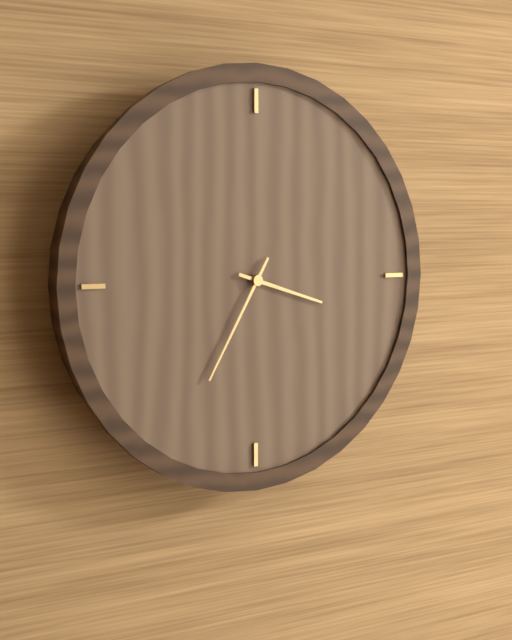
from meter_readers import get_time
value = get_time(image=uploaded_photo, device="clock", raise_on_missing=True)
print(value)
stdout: 3:35
